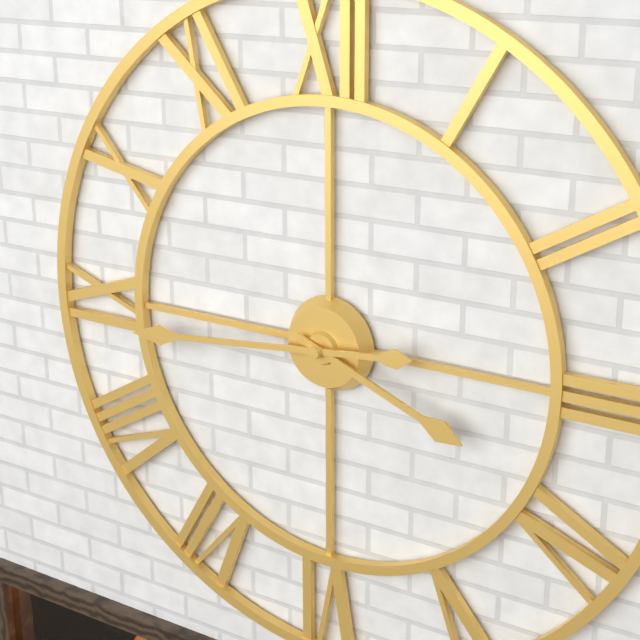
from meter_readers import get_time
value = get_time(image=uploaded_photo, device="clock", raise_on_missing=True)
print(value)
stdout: 3:44
